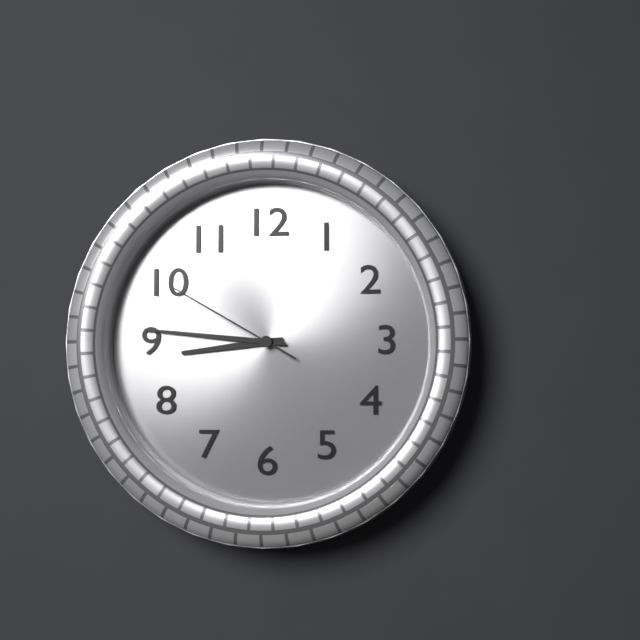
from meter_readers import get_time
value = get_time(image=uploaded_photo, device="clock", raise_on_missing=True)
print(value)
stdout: 8:46:50
